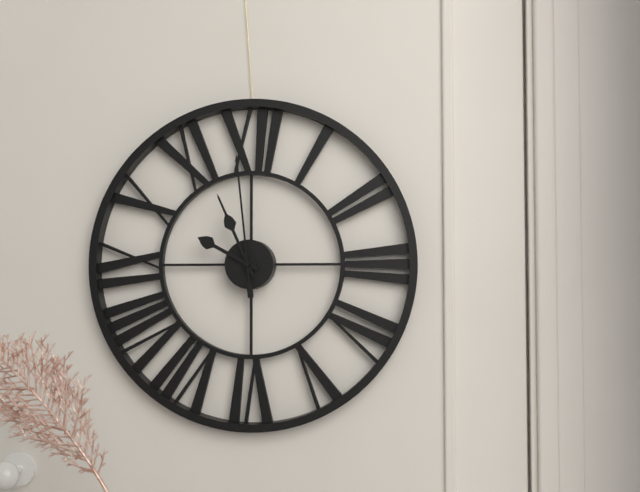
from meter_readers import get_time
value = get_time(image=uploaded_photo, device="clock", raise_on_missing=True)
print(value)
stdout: 9:56:59
